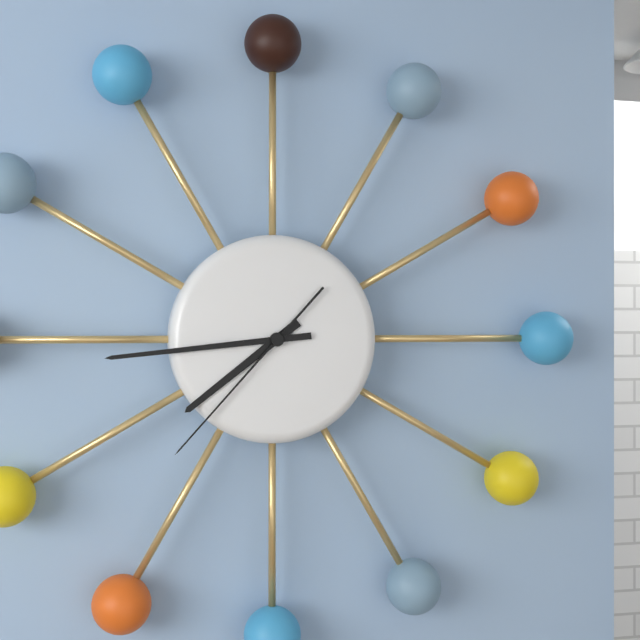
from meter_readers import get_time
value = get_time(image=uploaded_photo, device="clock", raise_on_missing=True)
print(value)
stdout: 7:44:37
